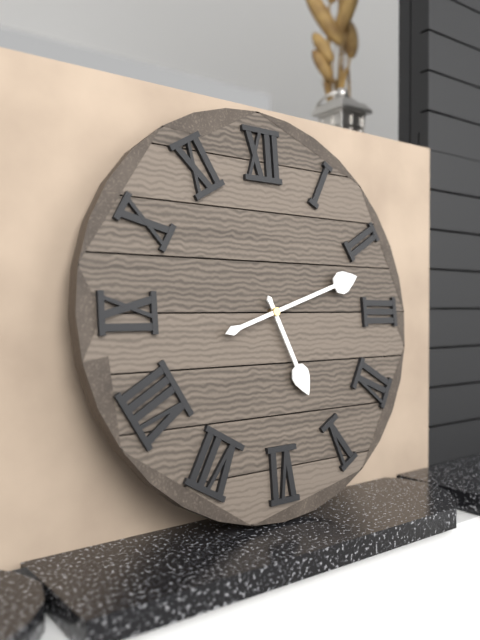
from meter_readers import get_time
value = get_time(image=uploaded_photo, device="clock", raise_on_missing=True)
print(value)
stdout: 5:12
